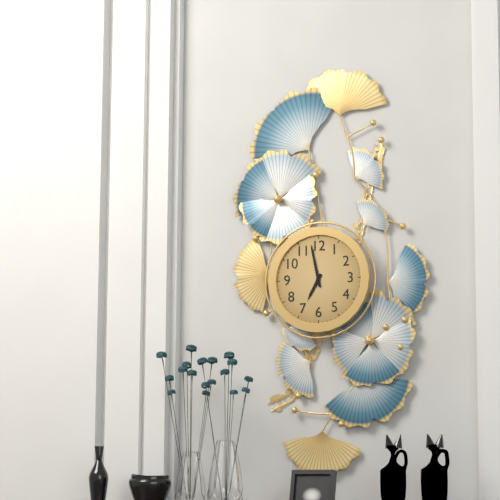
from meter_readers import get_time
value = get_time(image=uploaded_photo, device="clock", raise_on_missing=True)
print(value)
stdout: 6:58
